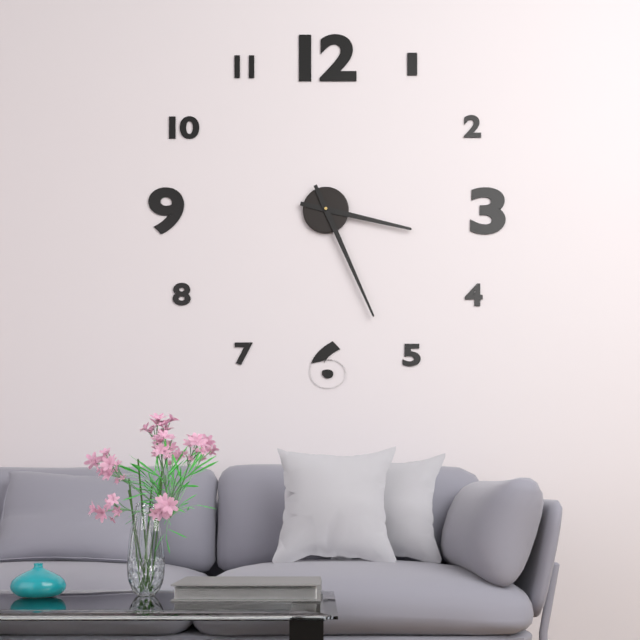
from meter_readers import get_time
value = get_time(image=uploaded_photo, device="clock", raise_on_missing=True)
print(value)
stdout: 3:26
